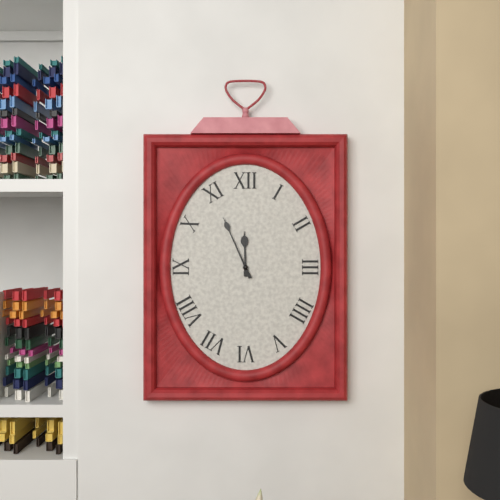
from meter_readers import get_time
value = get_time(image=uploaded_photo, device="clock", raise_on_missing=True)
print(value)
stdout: 11:56
